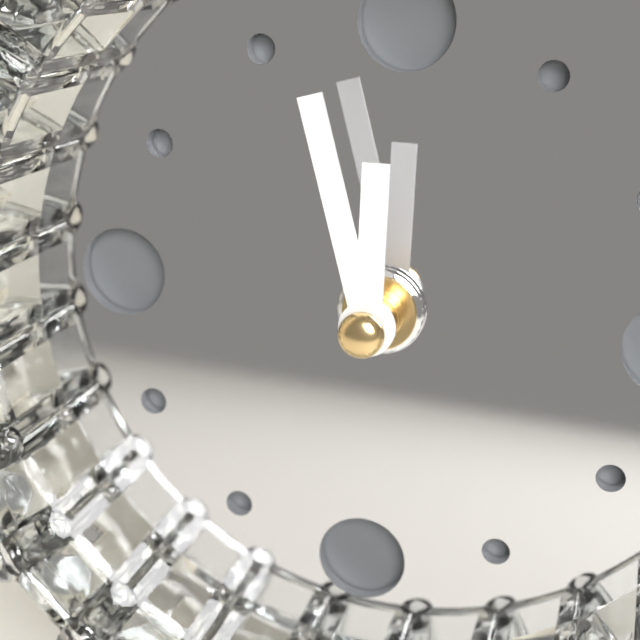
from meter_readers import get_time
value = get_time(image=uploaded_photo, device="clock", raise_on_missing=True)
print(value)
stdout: 11:57
